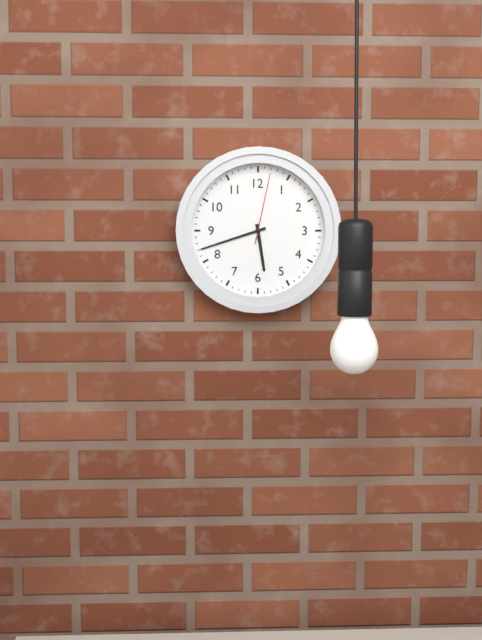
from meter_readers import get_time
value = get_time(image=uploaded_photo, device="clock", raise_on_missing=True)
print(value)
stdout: 5:42:02
